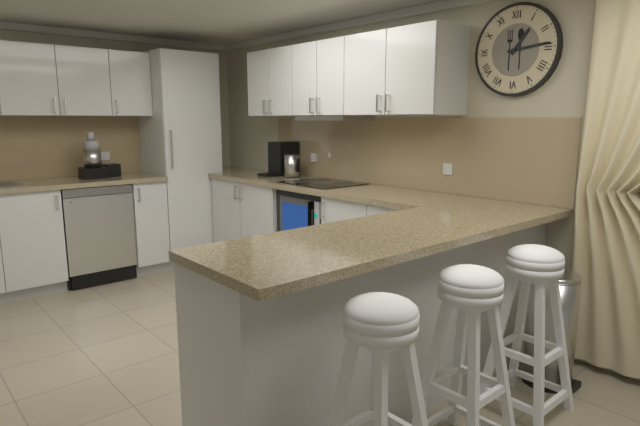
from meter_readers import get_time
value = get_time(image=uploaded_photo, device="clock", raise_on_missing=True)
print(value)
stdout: 1:14
